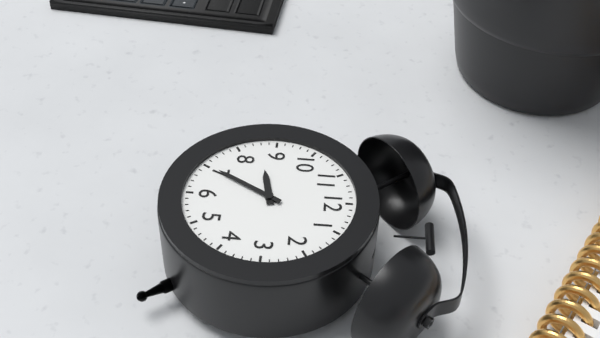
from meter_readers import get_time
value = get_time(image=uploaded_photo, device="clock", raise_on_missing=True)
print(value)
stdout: 8:35
